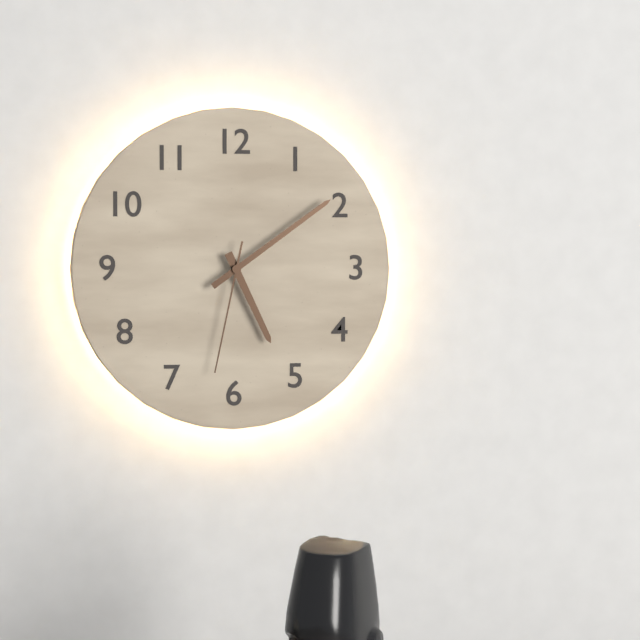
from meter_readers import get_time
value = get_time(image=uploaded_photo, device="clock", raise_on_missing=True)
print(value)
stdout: 5:09:32
